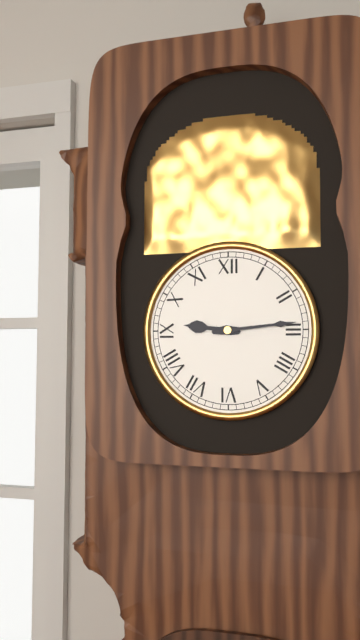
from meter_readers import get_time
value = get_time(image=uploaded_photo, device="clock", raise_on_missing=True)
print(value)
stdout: 9:14
